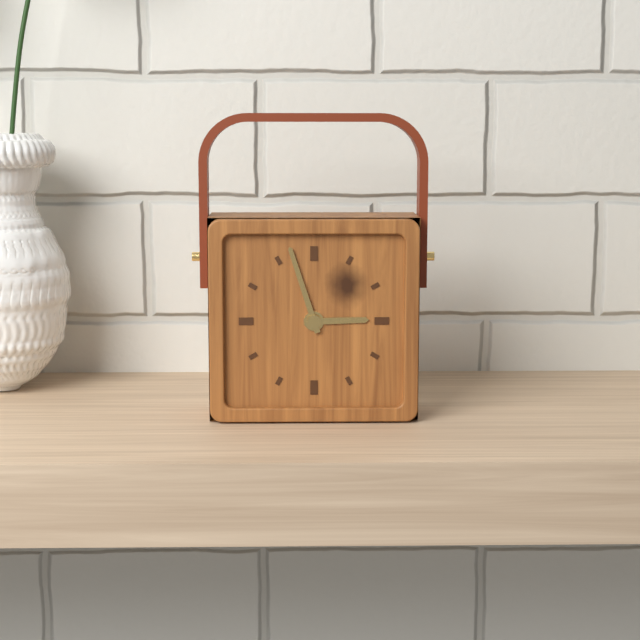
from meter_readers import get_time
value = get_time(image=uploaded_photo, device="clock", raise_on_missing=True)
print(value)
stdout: 2:57
